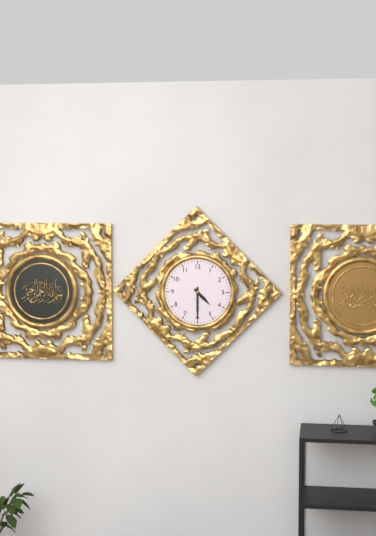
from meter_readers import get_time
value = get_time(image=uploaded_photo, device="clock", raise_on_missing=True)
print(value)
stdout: 4:30
